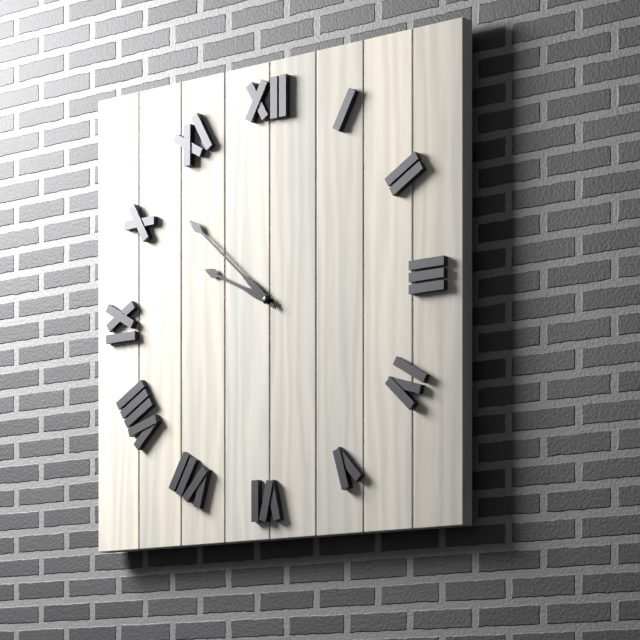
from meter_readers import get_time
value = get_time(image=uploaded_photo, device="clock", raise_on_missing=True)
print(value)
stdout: 9:52
